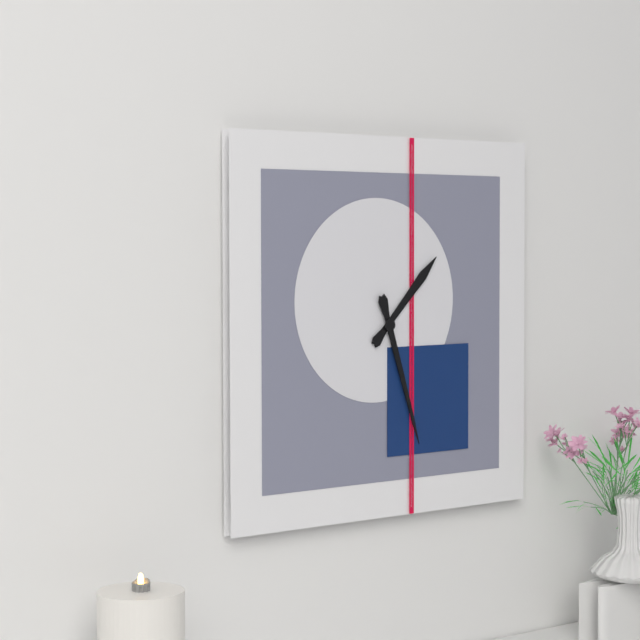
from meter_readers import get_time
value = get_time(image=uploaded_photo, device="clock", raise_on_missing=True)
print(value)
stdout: 1:27
